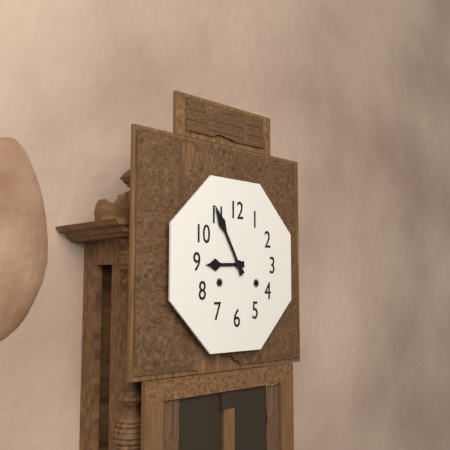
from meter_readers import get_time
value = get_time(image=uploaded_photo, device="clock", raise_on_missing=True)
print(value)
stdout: 8:55
